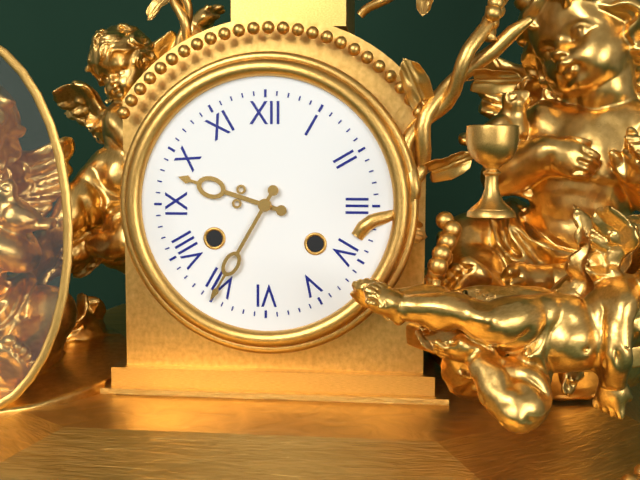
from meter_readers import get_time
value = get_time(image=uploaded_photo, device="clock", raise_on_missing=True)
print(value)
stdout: 9:35
